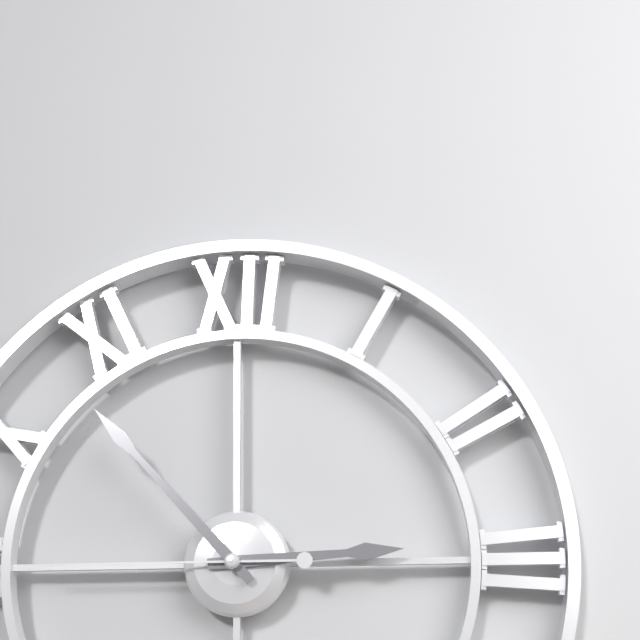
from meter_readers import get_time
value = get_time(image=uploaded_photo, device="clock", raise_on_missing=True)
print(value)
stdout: 2:53:45
